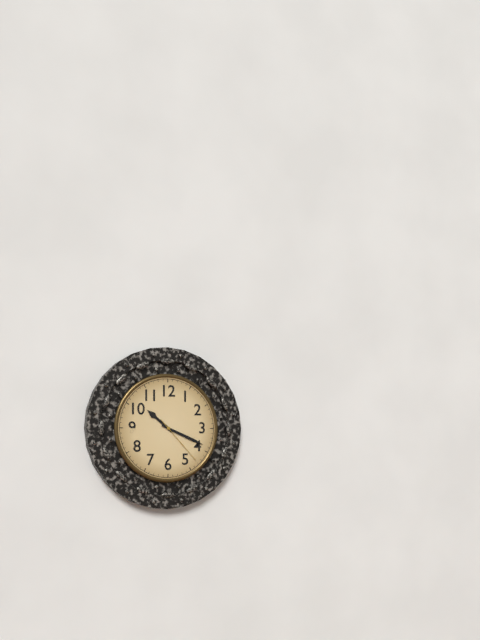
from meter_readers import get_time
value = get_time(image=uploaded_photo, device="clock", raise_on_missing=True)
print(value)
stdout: 10:19:23
